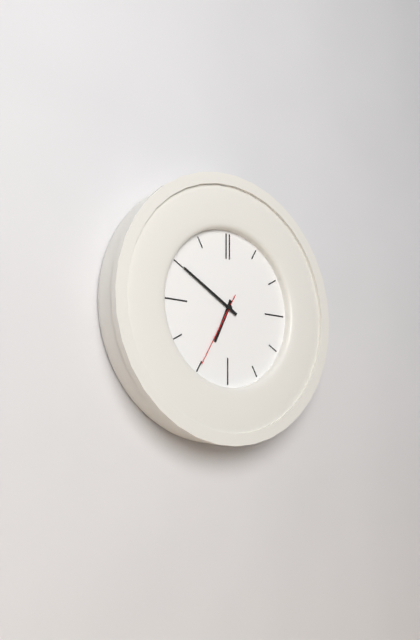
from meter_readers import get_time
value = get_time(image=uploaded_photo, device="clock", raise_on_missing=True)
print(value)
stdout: 6:50:35
